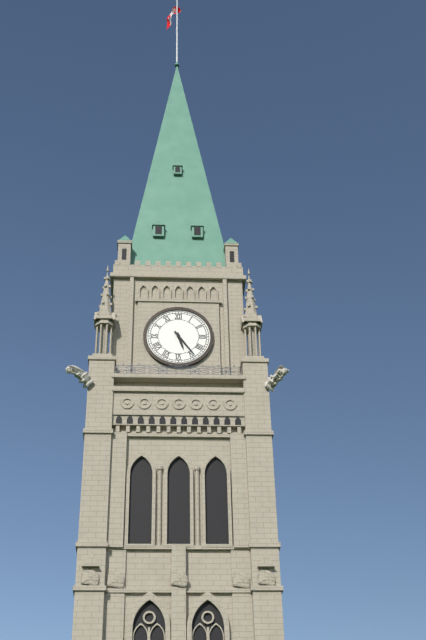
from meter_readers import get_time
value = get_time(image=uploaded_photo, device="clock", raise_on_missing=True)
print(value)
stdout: 5:24
